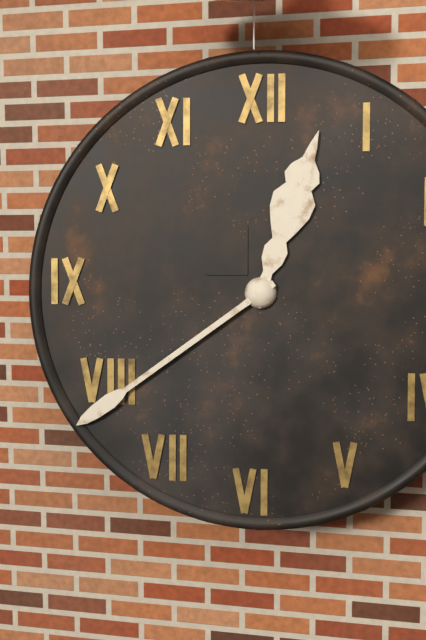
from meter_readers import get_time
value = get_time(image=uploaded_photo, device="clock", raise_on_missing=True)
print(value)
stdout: 12:39
